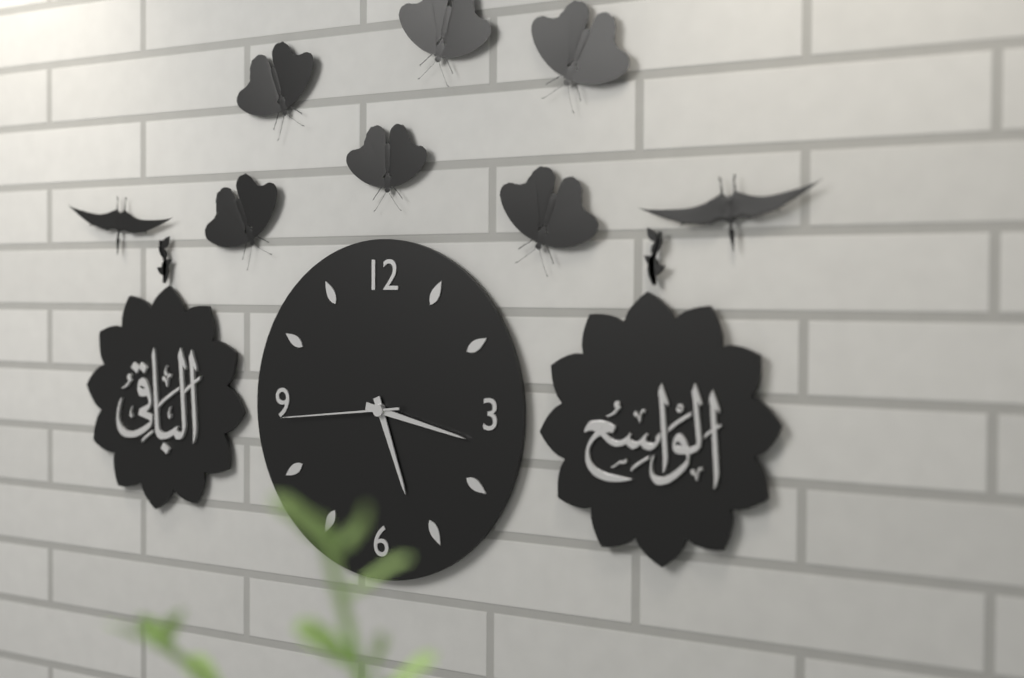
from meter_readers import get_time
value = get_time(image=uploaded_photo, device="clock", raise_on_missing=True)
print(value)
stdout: 5:17:44
